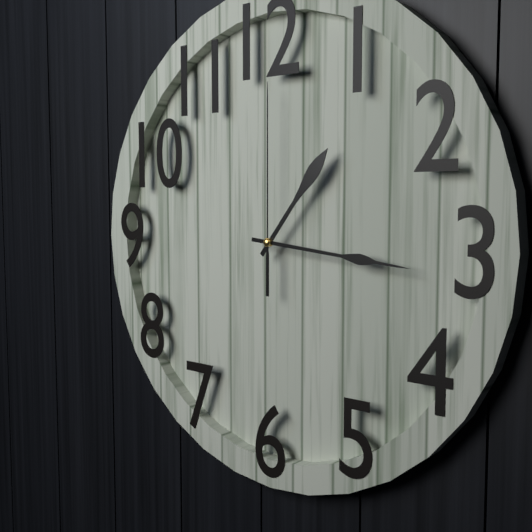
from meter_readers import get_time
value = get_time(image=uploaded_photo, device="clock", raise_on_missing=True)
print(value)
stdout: 1:16:00
